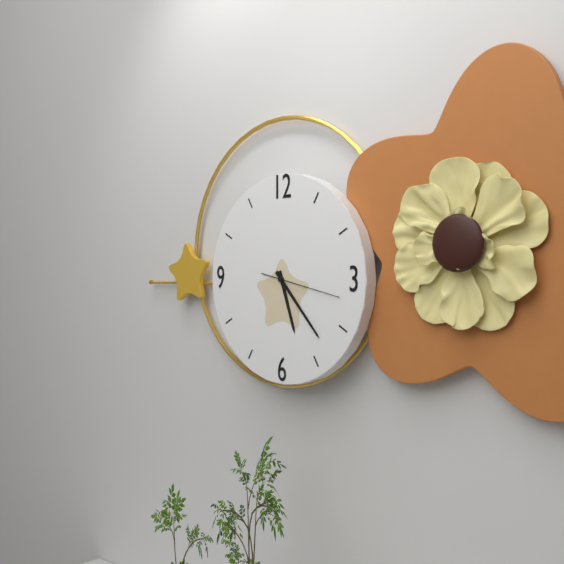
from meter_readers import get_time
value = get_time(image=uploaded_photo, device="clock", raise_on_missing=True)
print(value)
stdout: 5:23:17
